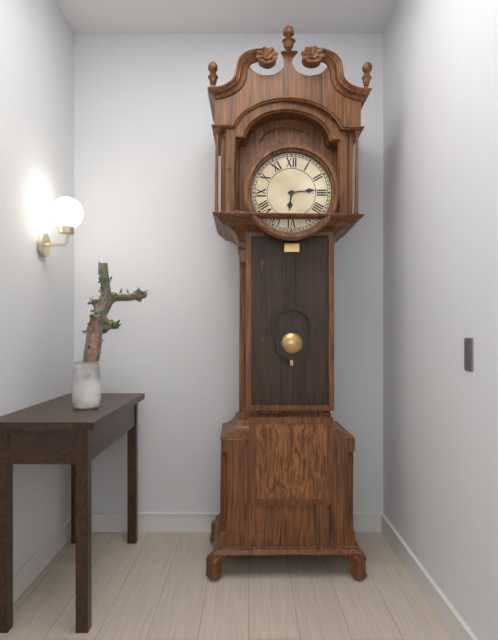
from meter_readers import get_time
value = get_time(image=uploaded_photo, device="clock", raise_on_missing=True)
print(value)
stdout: 6:14
